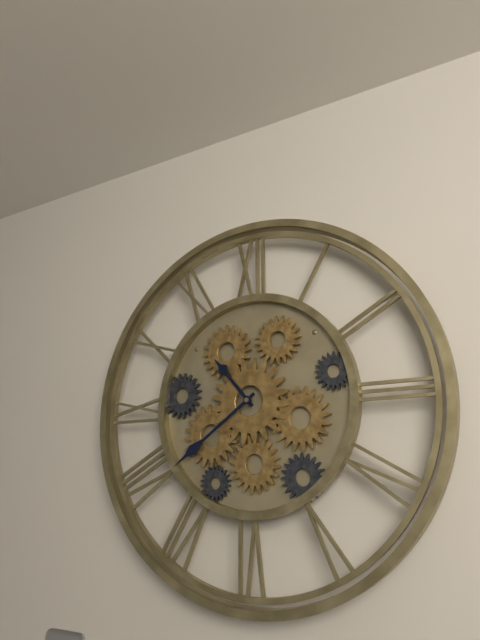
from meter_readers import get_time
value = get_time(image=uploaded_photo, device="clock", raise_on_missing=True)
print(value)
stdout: 10:39
